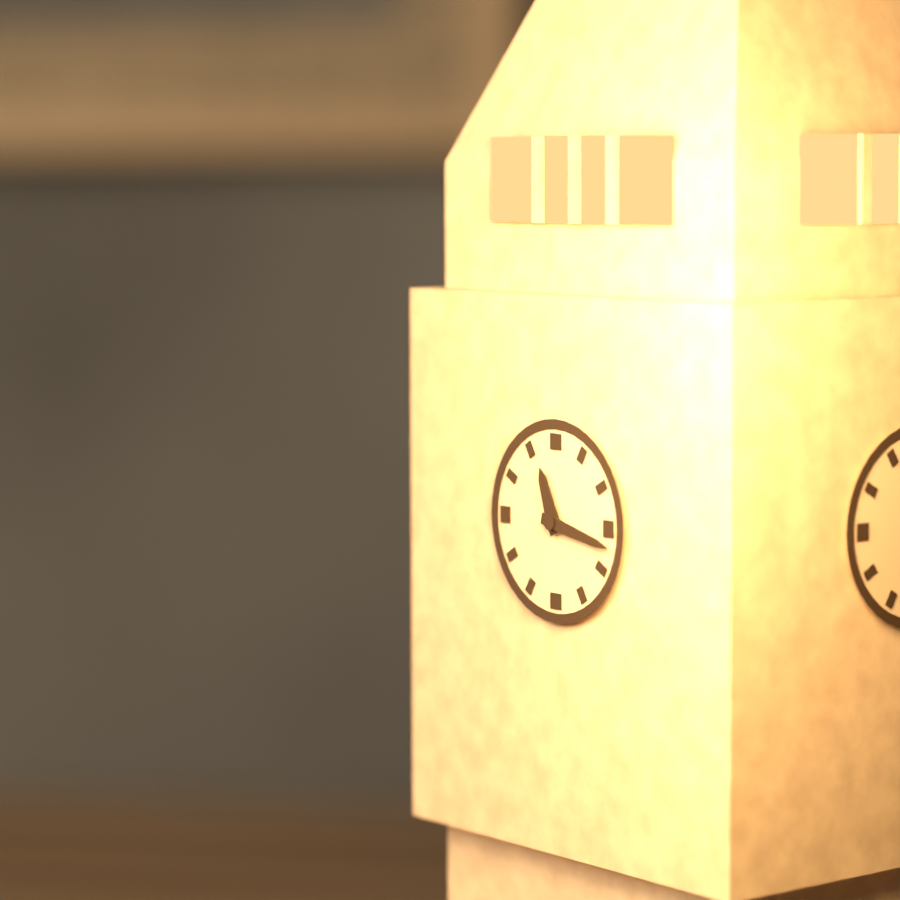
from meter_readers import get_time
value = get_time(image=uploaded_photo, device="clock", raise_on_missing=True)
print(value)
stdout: 11:17
